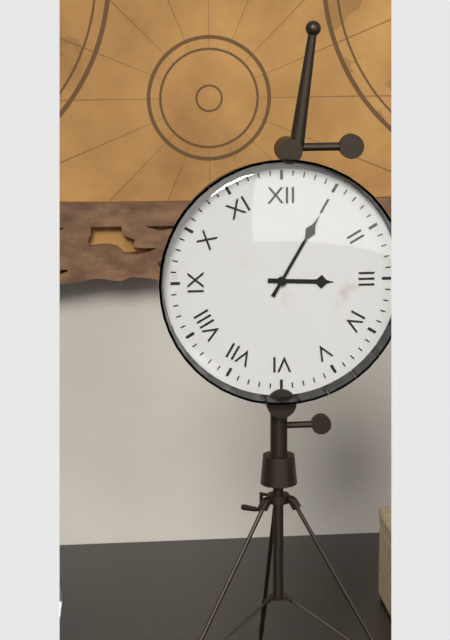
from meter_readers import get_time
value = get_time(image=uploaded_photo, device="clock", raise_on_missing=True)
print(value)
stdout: 3:05
